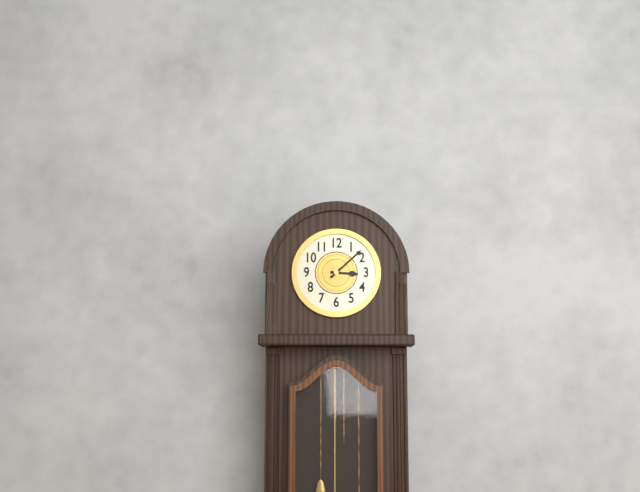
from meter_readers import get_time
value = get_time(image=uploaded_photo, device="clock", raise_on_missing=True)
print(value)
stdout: 3:08
